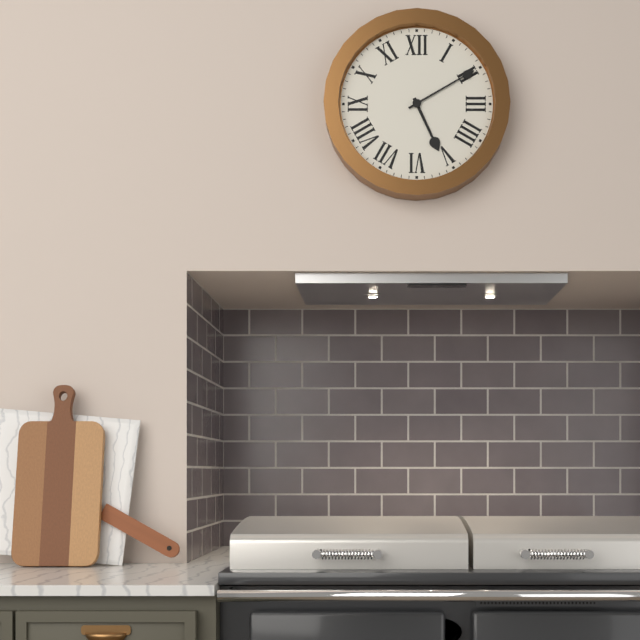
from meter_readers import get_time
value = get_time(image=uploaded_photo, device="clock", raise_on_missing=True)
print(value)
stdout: 5:10
